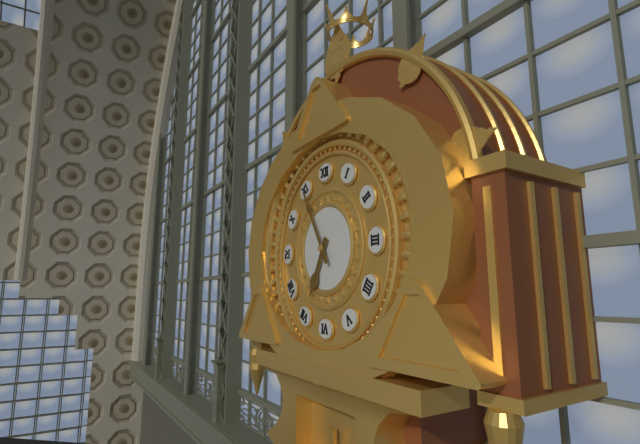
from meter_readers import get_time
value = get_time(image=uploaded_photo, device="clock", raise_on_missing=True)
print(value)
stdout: 6:55
